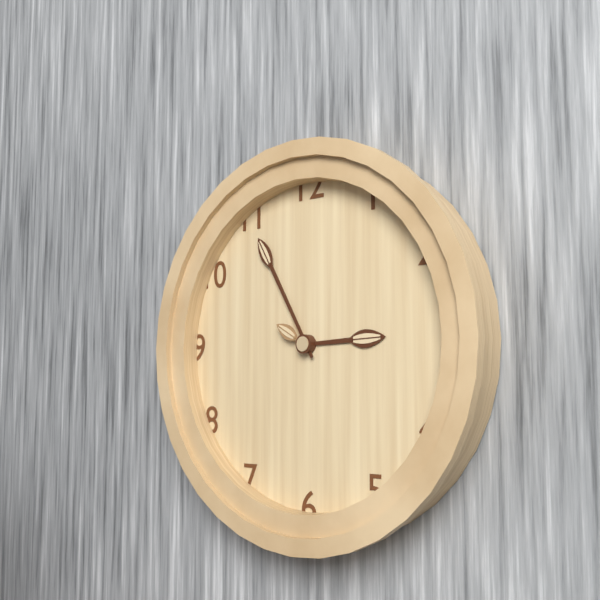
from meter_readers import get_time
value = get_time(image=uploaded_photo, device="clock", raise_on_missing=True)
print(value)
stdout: 2:55
